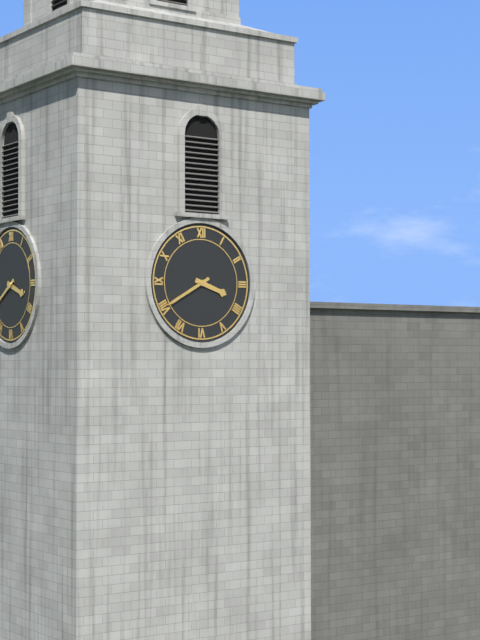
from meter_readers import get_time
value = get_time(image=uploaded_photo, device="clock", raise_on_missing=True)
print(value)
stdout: 3:40
